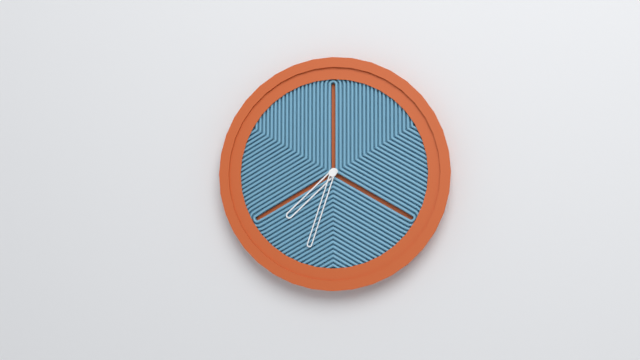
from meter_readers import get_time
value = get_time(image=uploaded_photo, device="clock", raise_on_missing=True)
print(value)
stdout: 7:33
